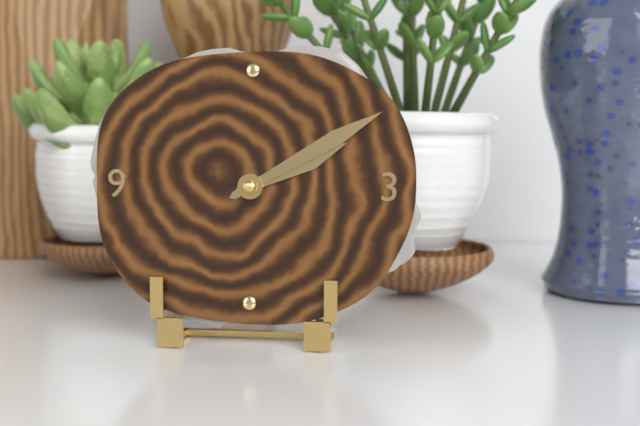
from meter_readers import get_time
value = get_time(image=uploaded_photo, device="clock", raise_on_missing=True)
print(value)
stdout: 2:10
